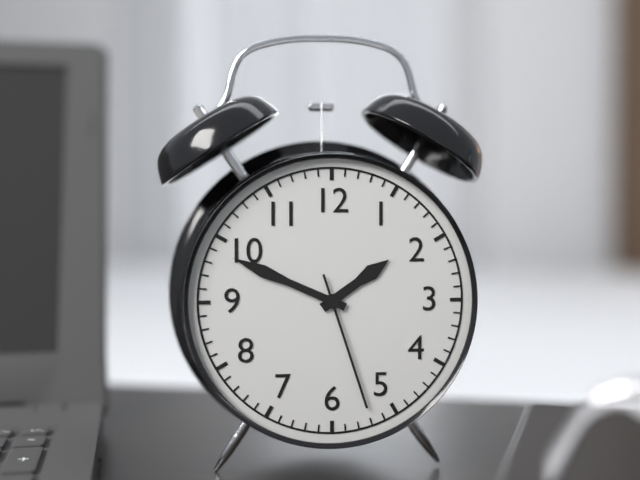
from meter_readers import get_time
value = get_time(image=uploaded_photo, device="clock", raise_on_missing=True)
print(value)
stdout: 1:49:27
